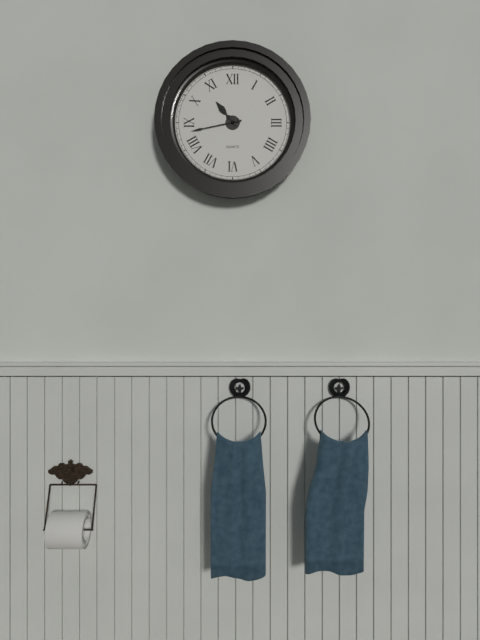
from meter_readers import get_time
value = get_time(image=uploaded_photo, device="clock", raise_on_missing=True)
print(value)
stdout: 10:43
